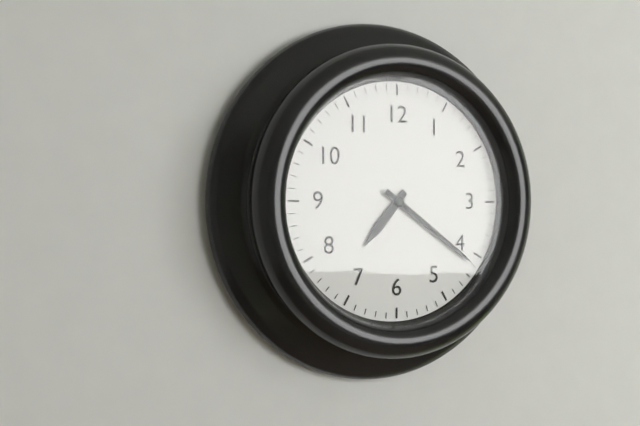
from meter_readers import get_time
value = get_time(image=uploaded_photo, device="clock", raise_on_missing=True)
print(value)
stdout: 7:21
